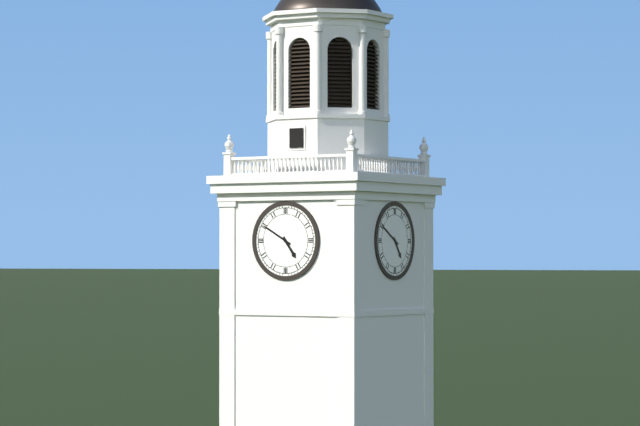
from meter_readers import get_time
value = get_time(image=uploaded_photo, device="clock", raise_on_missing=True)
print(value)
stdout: 4:50
